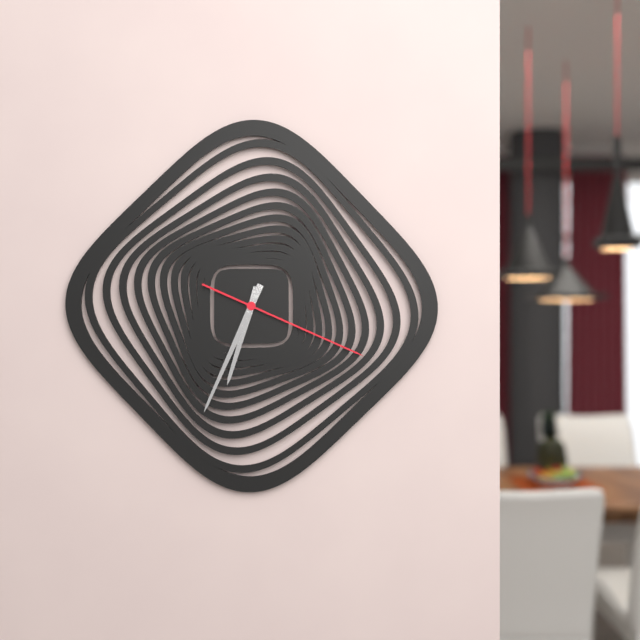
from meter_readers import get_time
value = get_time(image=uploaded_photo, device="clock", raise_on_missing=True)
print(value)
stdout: 6:34:19
